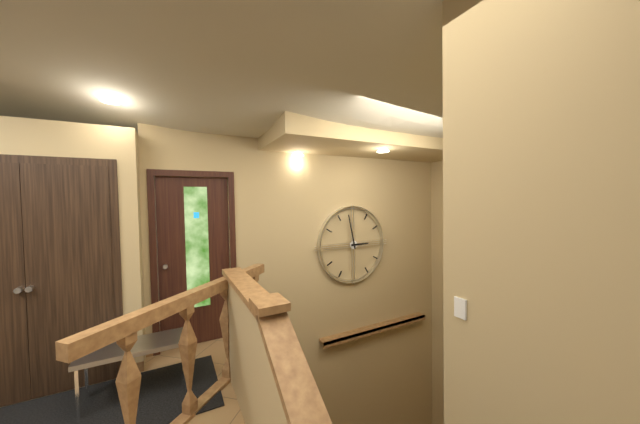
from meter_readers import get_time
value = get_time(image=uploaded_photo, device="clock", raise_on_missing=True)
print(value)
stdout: 2:58
